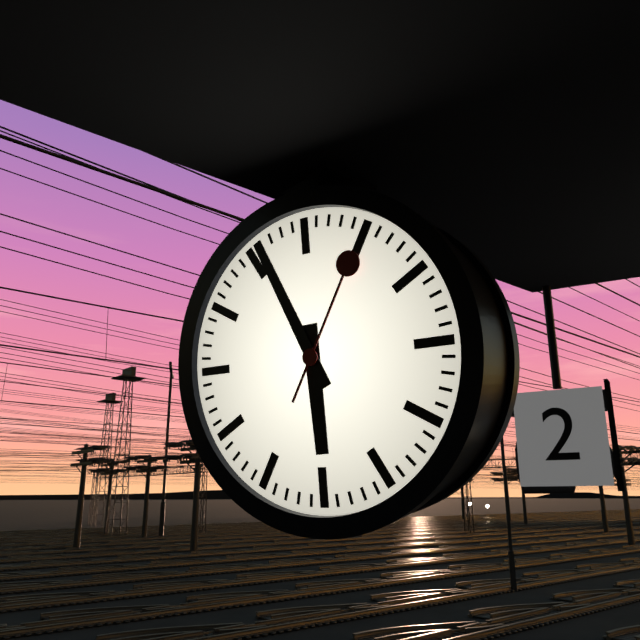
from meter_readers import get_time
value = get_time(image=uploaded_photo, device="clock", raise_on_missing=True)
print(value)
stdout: 5:56:05
